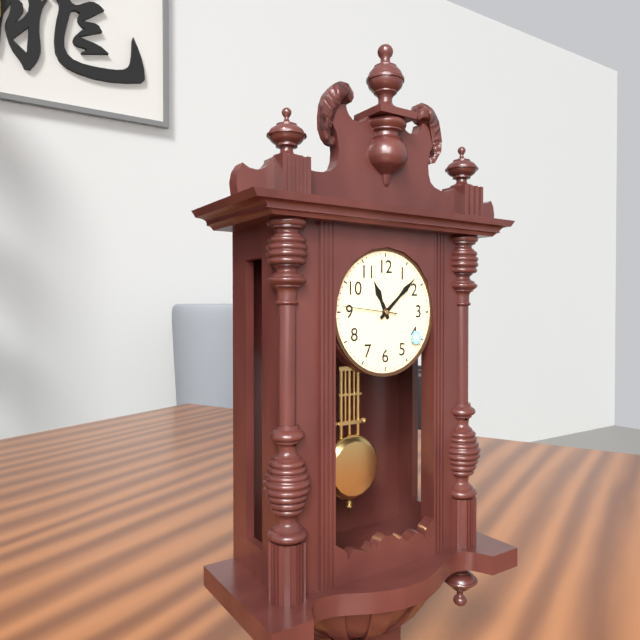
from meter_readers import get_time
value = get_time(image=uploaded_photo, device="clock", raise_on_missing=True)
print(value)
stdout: 11:08:46
